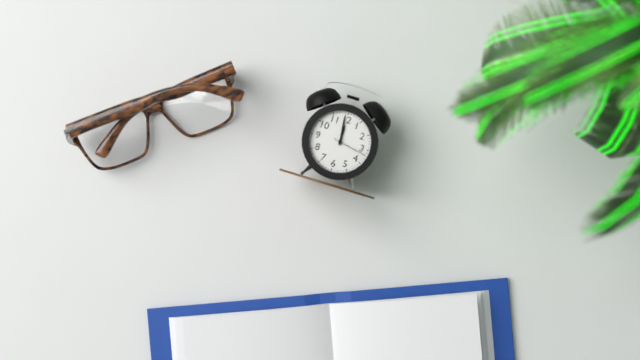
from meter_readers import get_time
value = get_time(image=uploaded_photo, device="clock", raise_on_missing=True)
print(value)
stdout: 11:59
